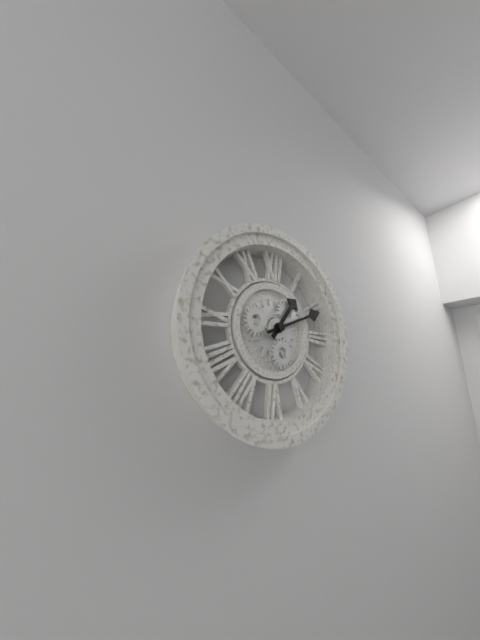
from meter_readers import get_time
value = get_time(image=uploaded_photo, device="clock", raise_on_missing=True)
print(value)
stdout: 1:11
